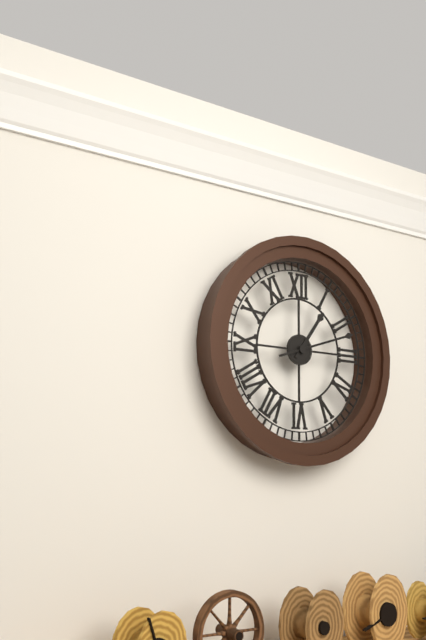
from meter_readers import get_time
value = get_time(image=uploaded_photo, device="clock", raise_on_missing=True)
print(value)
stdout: 1:12
